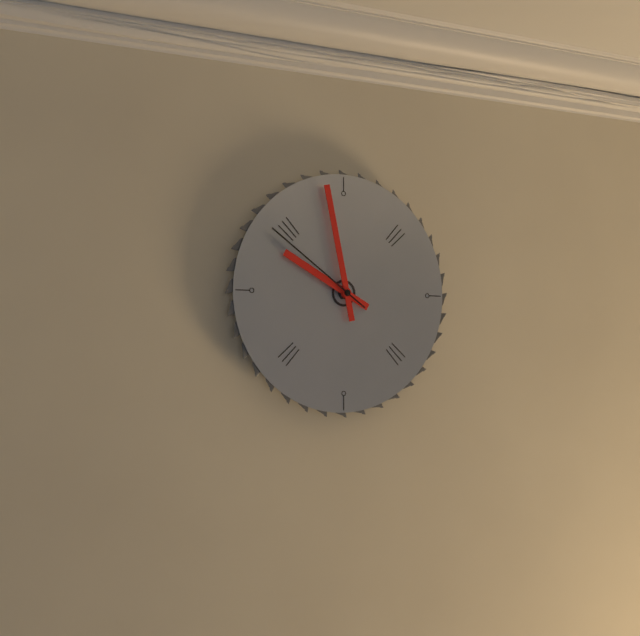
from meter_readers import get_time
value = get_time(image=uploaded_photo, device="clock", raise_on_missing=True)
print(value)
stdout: 9:58:51
